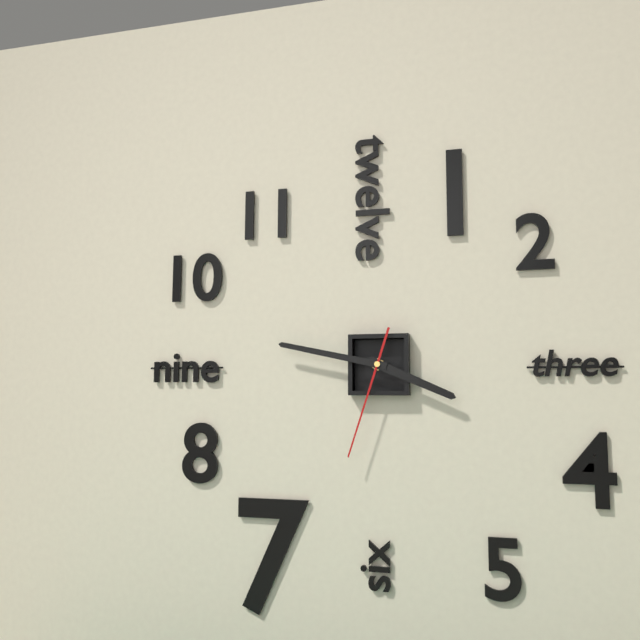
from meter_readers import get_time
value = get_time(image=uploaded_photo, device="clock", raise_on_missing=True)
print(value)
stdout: 3:47:33
